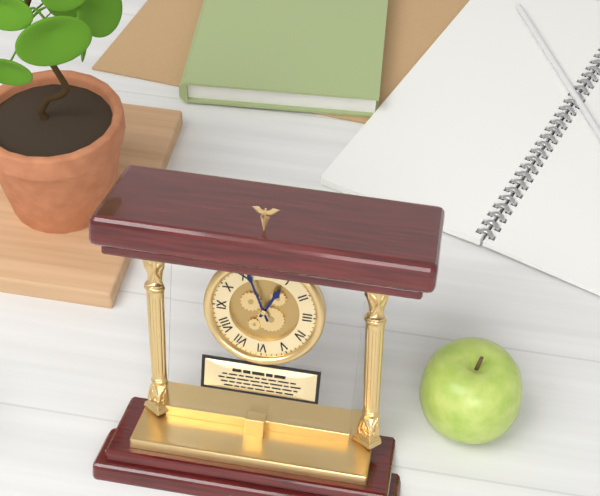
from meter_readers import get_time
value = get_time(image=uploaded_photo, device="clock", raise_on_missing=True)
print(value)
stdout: 12:56
